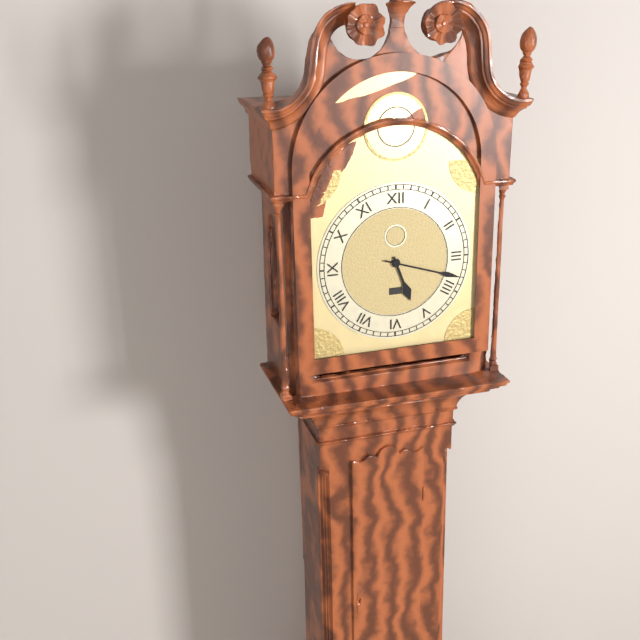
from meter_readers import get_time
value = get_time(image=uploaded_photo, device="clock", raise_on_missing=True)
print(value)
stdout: 5:18
